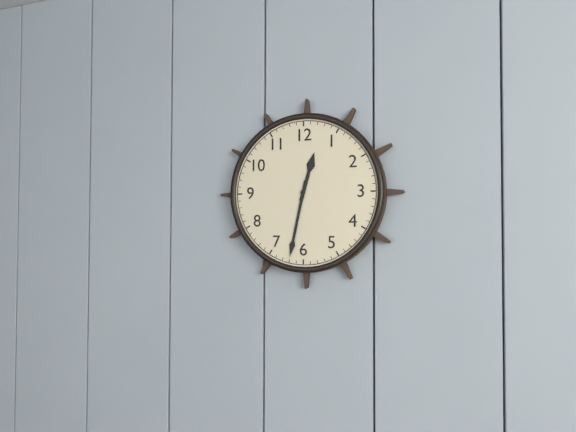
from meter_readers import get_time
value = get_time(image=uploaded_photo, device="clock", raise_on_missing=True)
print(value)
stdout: 12:32
